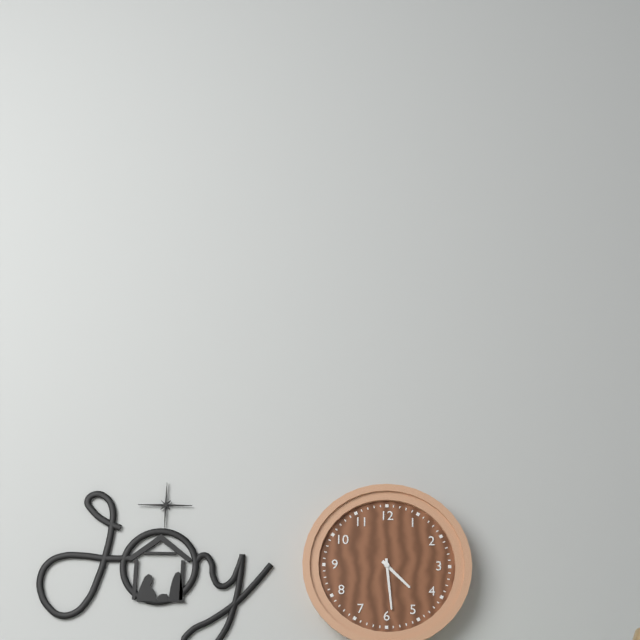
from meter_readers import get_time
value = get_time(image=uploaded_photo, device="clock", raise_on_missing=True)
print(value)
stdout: 4:29
